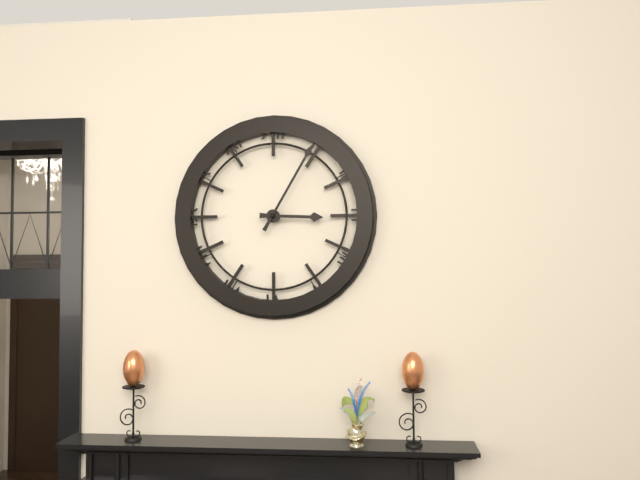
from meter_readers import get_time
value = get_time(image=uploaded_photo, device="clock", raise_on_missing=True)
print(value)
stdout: 3:05
